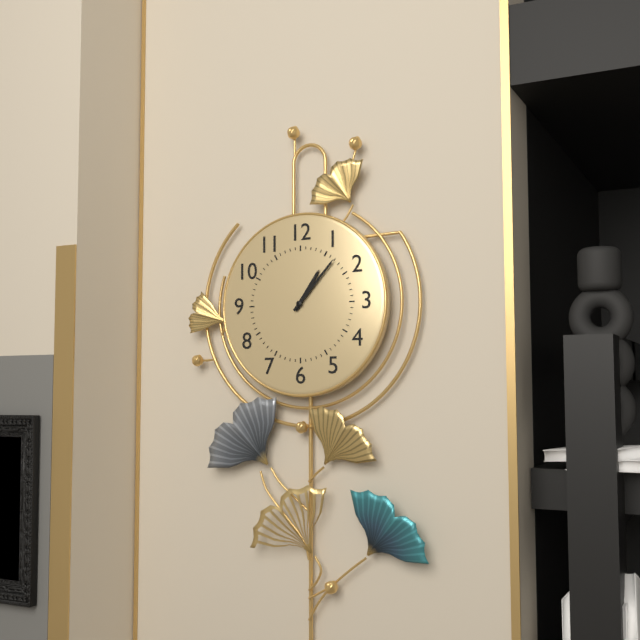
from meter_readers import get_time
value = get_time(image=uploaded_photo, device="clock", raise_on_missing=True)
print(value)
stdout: 1:07
